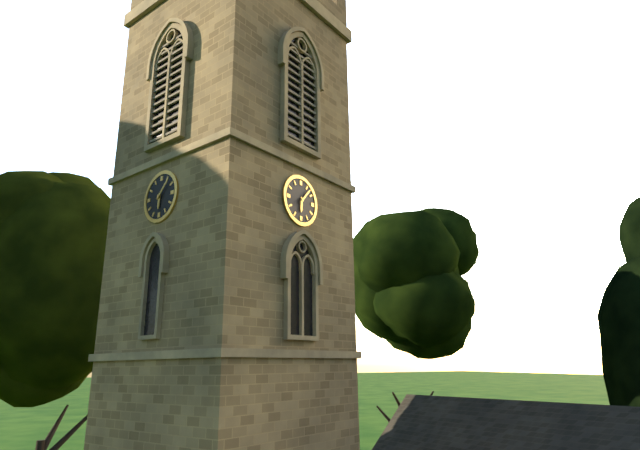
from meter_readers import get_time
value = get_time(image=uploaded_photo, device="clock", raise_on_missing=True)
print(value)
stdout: 6:07
